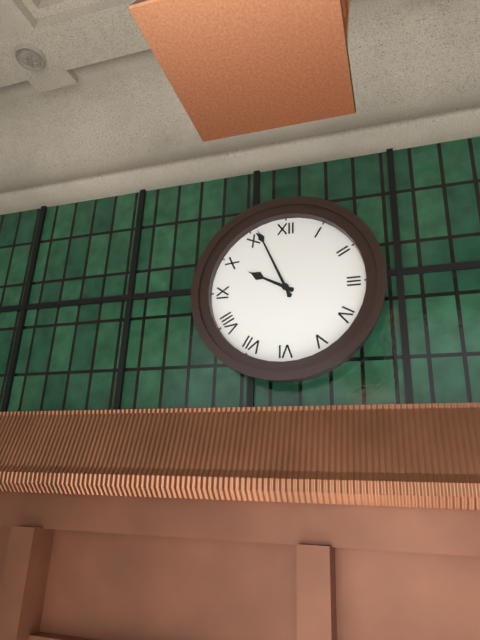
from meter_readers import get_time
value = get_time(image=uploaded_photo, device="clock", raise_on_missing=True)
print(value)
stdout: 9:56
